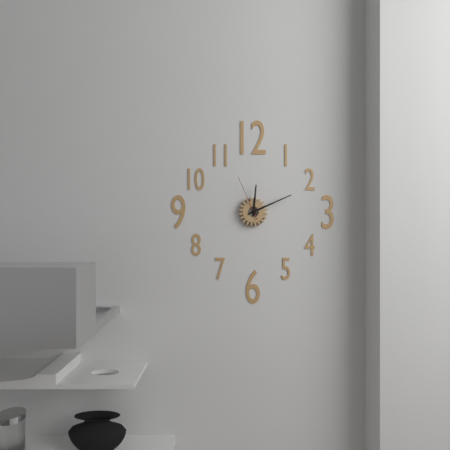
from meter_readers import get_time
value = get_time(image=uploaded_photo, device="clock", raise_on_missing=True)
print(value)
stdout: 12:11
